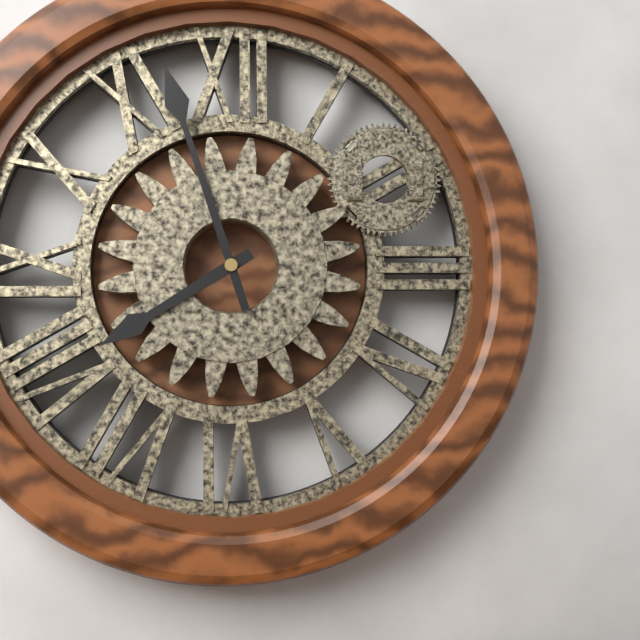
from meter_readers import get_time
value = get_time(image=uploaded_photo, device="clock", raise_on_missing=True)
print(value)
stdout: 7:57
